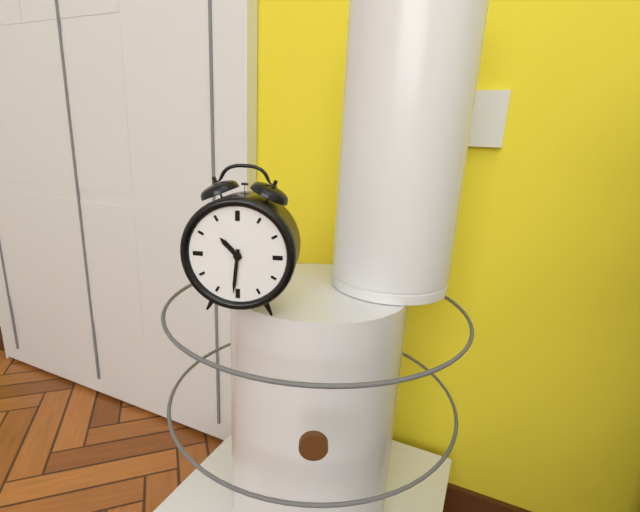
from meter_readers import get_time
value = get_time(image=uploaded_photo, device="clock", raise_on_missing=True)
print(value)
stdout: 10:31
